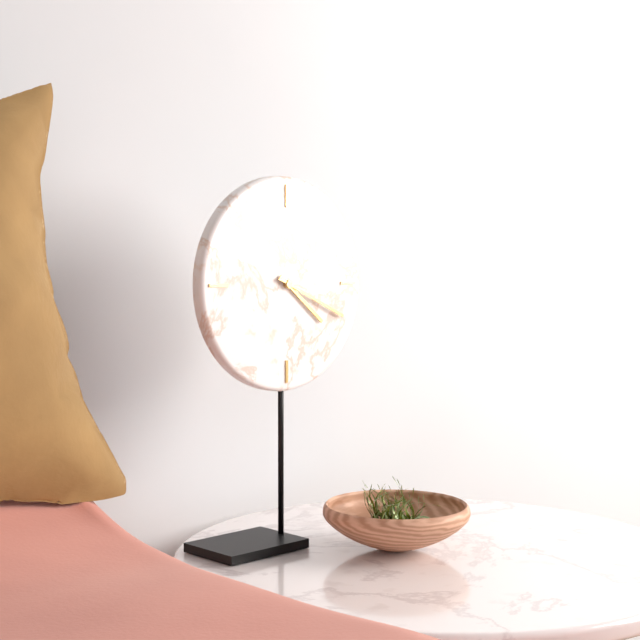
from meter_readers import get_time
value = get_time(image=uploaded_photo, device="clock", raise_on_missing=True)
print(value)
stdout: 4:19
